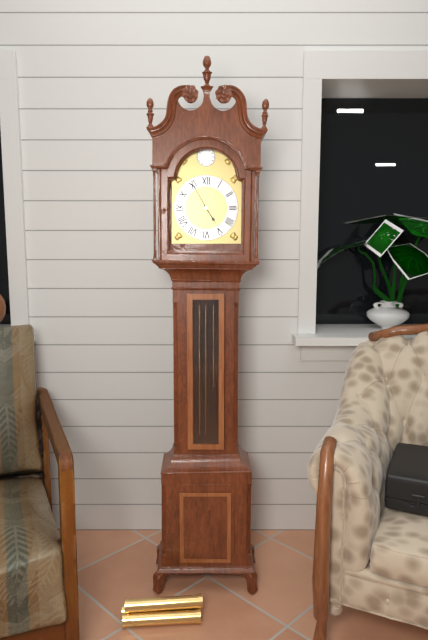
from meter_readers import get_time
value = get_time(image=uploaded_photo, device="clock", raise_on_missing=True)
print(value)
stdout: 4:55
